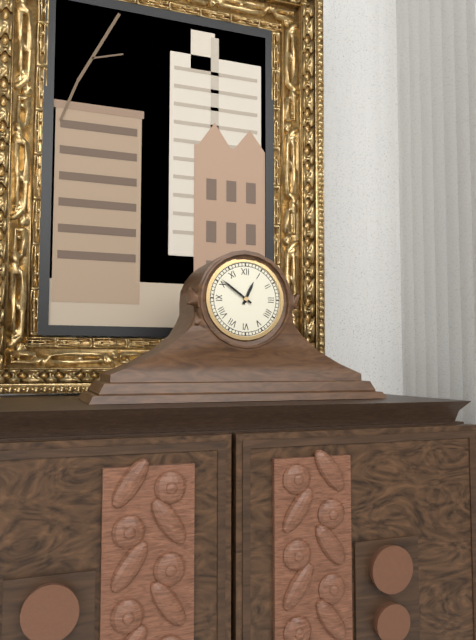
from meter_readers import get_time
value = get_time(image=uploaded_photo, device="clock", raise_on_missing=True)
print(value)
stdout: 12:51
